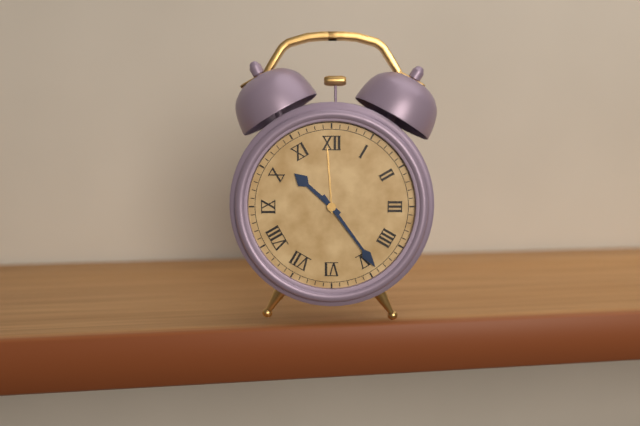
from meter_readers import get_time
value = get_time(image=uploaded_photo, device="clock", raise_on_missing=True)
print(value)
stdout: 10:24
